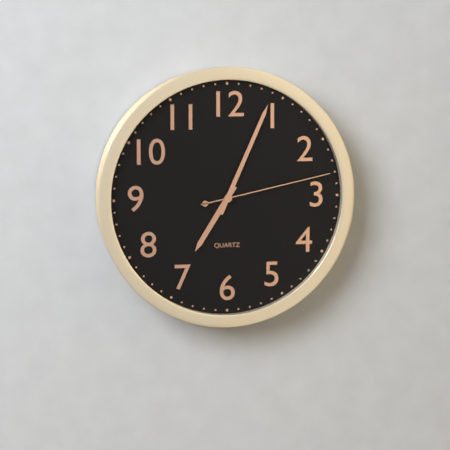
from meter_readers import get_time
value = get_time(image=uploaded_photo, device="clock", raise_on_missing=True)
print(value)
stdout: 7:04:13
